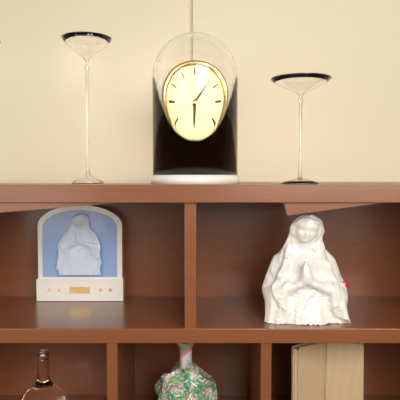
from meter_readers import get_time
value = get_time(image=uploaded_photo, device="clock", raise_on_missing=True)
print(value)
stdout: 6:07
